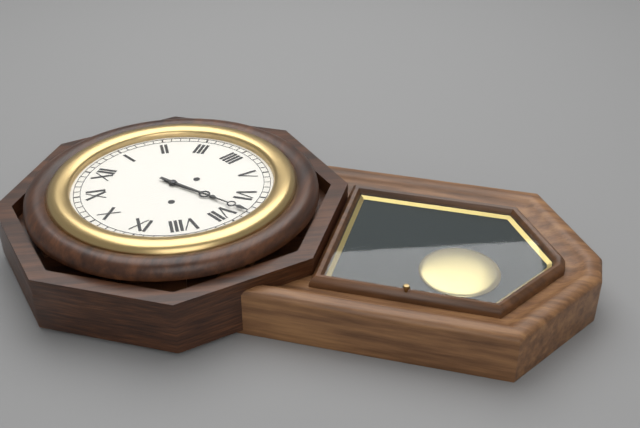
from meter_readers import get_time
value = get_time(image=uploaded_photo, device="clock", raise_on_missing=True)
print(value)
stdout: 6:33
